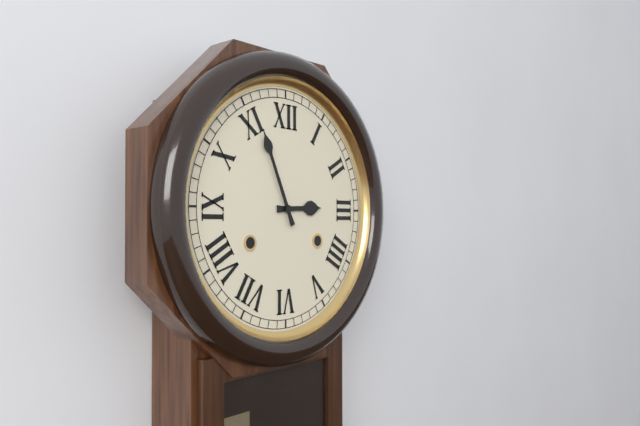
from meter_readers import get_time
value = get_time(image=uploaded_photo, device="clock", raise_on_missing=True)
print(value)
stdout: 2:56
